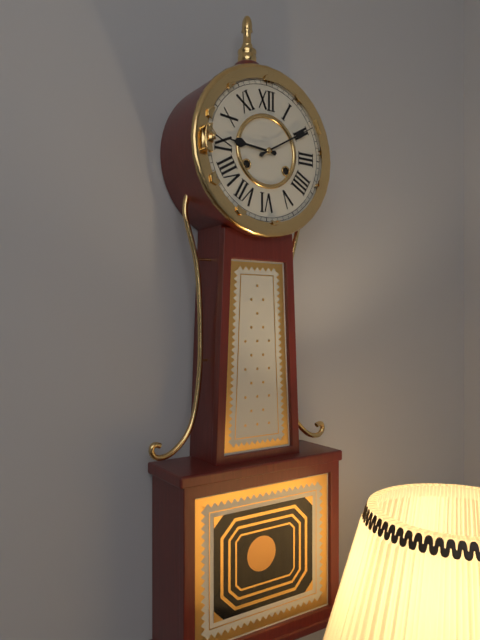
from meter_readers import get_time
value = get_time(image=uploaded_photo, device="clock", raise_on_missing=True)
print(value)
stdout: 9:10
